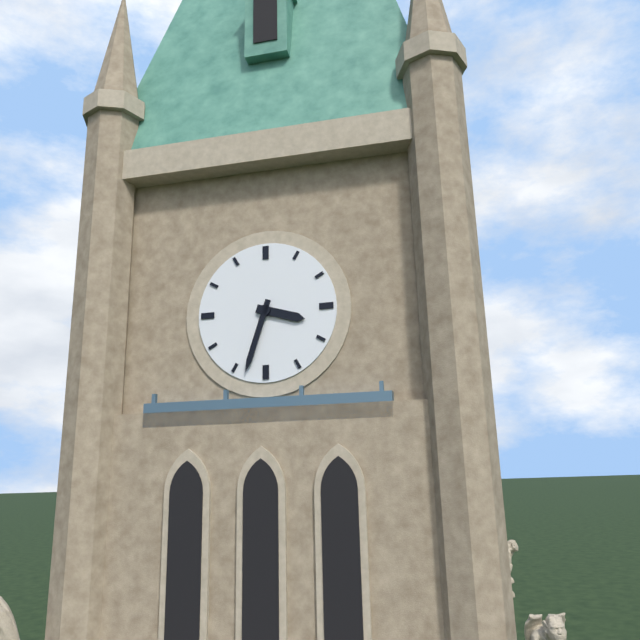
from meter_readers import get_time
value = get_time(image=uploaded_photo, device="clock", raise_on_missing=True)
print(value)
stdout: 3:33
